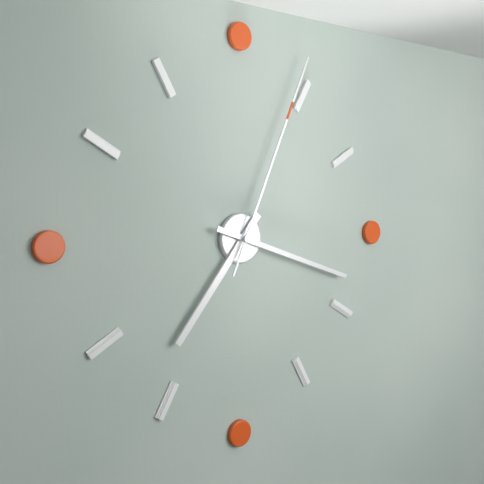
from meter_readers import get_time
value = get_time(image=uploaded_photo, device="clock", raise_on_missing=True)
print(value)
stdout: 7:18:04
